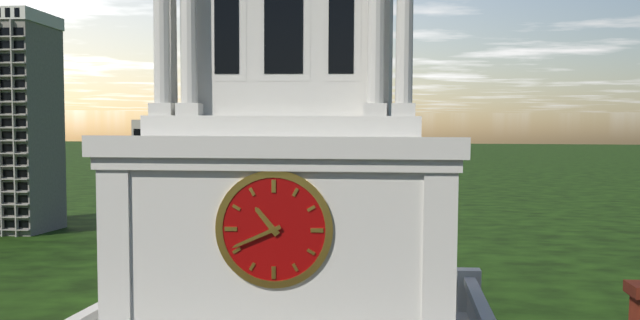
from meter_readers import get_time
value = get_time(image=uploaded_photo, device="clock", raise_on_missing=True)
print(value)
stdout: 10:41
